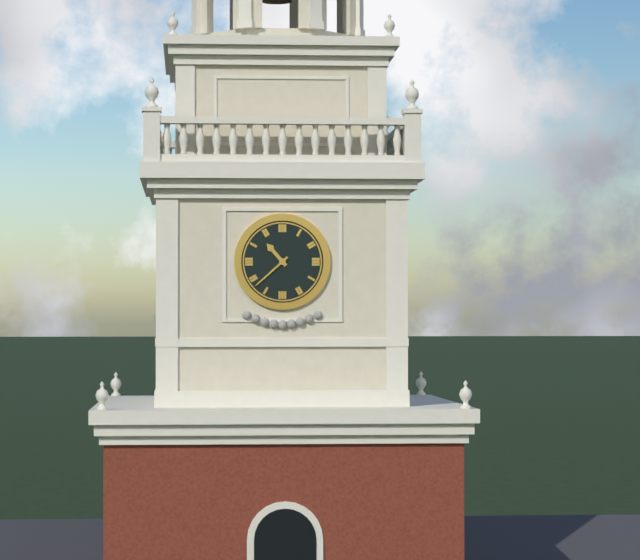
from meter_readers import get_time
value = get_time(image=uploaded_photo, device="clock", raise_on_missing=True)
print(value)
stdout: 10:38
